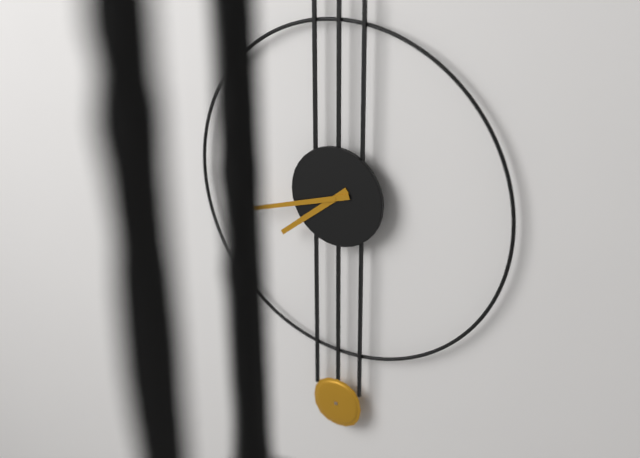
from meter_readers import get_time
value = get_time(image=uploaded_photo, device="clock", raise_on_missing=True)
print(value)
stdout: 7:42
